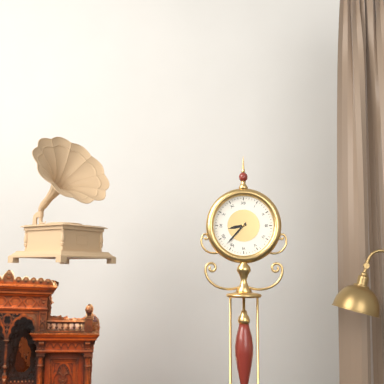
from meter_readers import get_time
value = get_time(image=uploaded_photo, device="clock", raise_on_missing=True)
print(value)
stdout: 8:37
